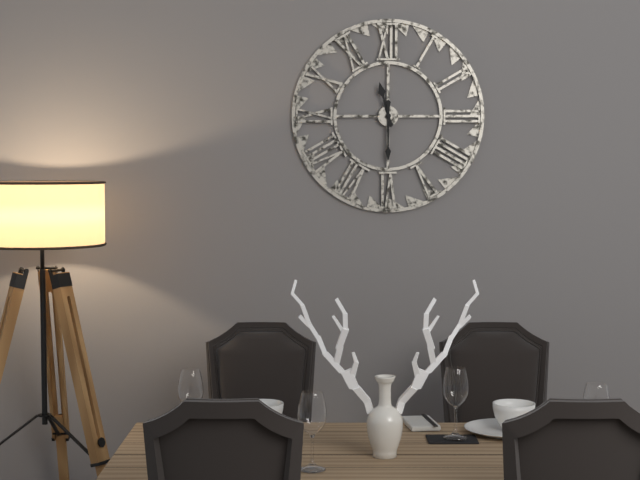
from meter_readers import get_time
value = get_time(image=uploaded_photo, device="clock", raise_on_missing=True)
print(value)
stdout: 11:30
